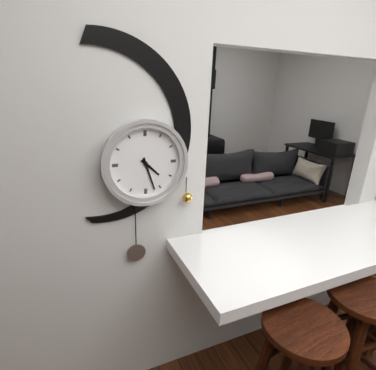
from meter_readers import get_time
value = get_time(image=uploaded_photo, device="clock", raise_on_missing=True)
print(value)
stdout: 4:27
